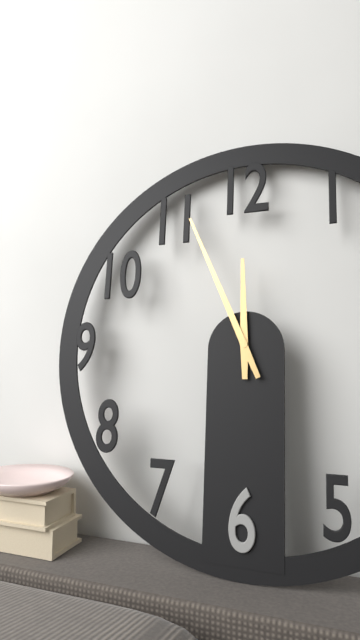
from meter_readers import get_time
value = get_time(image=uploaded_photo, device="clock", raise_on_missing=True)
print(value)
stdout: 11:56
